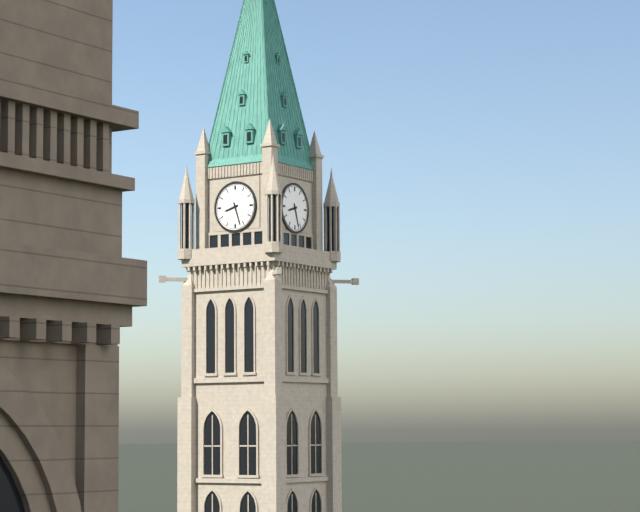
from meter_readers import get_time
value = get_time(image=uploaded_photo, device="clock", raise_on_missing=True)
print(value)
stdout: 8:27
